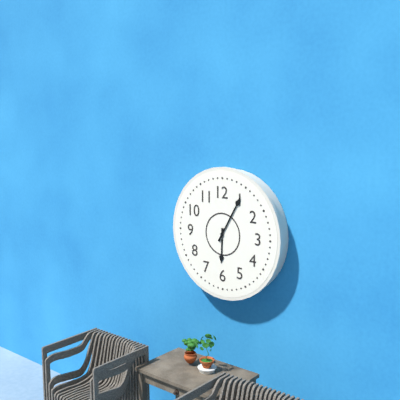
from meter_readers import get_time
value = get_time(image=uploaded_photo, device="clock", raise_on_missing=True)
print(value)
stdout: 6:05
